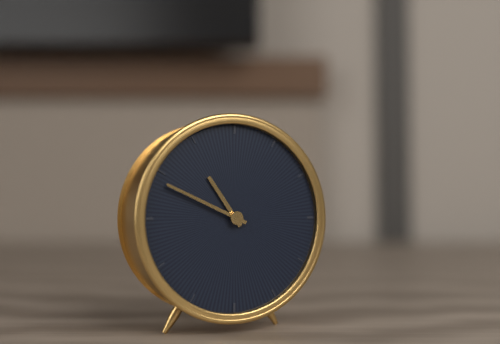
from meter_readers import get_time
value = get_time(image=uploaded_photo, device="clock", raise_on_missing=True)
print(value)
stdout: 10:49
